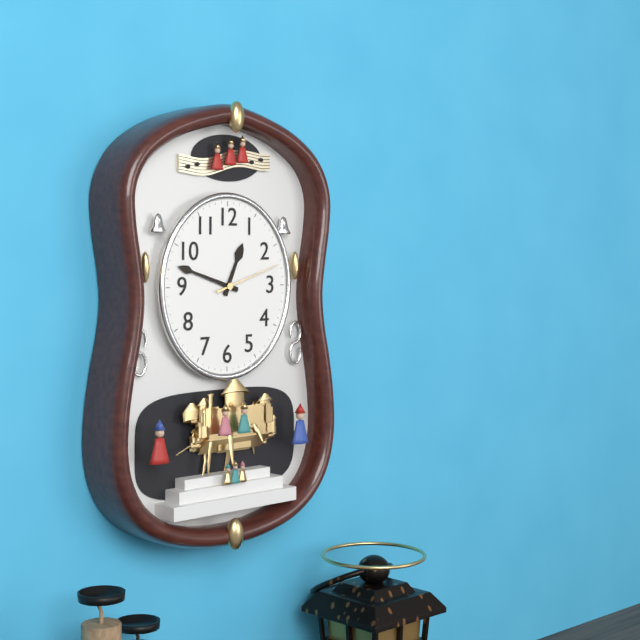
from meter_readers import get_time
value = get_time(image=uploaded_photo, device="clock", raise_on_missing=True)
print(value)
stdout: 12:48:12
